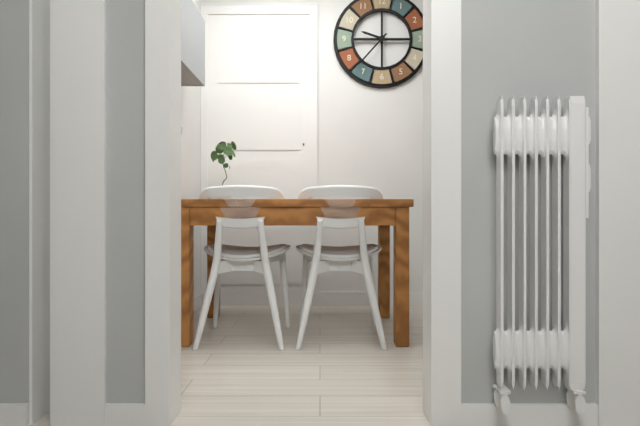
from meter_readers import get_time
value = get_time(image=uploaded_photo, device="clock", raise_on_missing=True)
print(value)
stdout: 9:37
